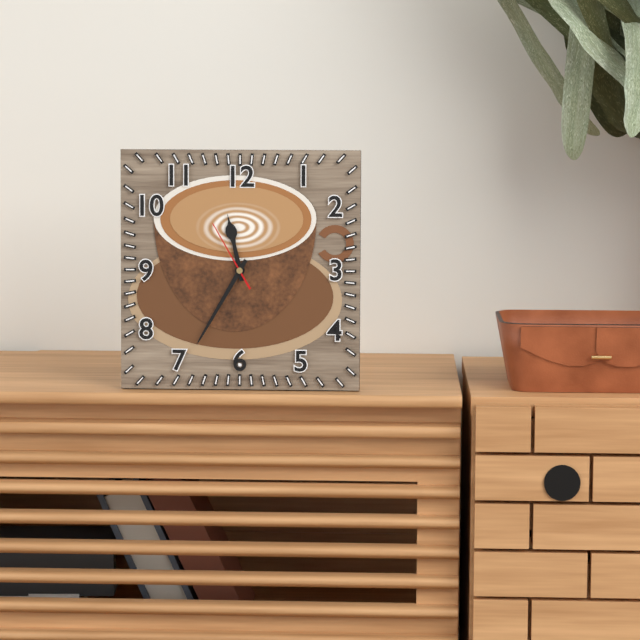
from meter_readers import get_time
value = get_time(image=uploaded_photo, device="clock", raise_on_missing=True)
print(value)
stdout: 11:35:55
